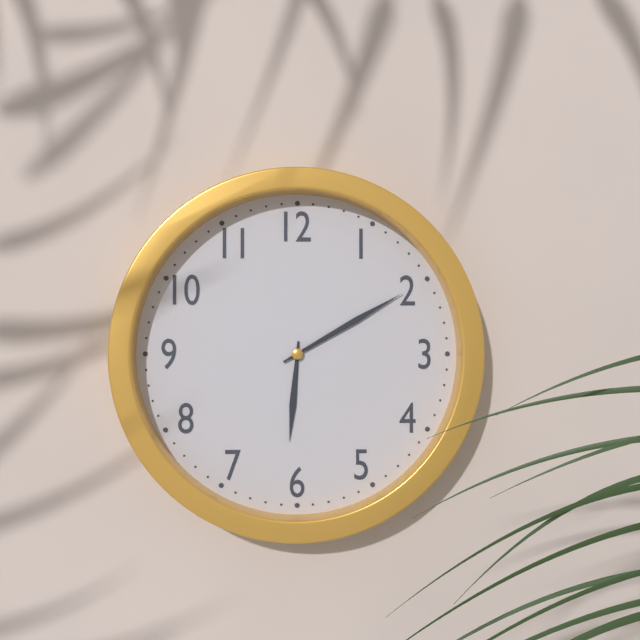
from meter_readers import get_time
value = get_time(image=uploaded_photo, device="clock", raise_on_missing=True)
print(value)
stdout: 6:10
